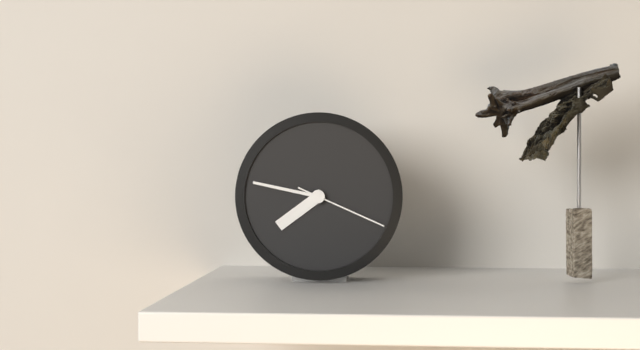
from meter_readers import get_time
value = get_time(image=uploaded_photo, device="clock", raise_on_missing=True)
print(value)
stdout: 7:47:19
